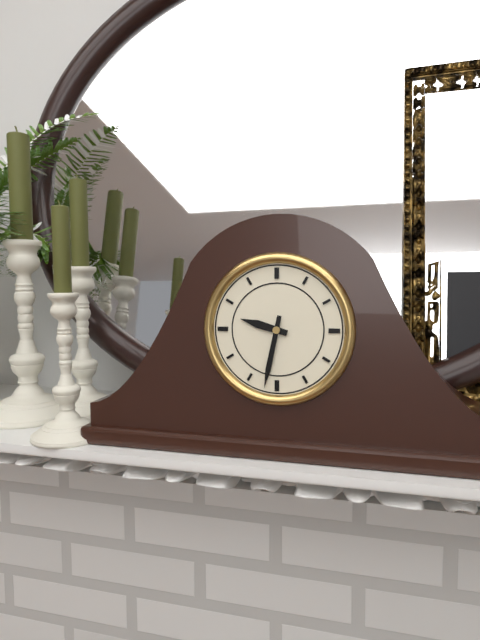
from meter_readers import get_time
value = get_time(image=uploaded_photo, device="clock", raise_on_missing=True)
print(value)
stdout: 9:32
